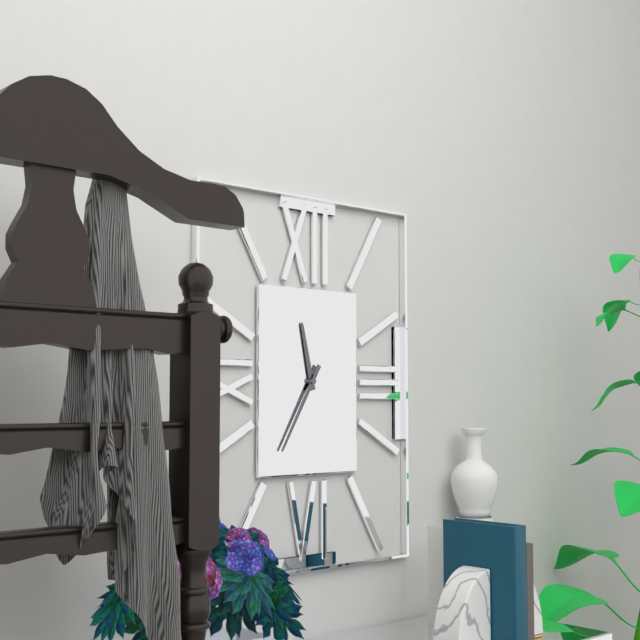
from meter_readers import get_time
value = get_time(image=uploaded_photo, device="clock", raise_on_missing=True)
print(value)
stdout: 11:35
